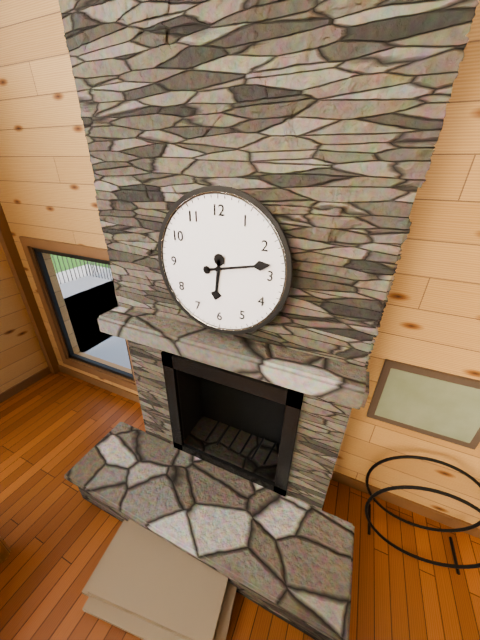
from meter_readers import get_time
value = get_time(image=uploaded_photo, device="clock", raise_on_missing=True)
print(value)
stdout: 6:13
